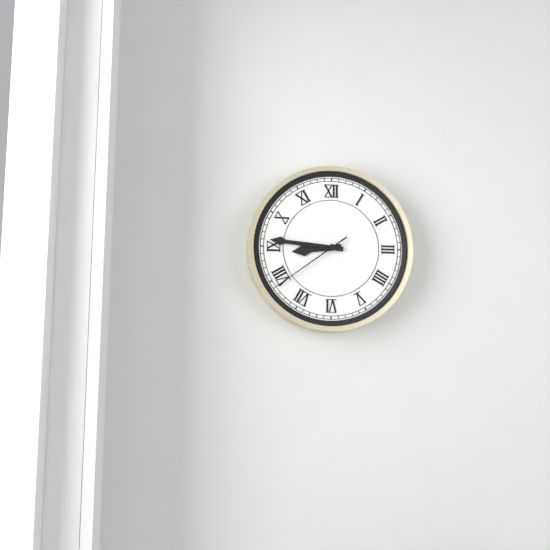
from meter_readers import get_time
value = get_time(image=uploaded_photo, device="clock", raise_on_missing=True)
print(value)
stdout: 8:46:39
